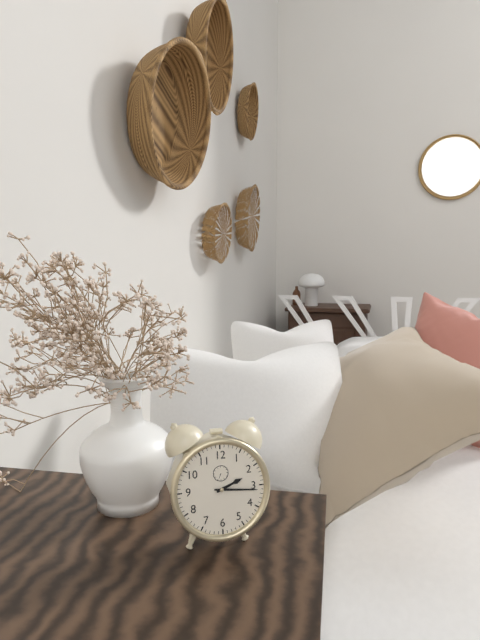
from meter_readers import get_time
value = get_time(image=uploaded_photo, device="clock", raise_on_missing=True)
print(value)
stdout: 2:16
